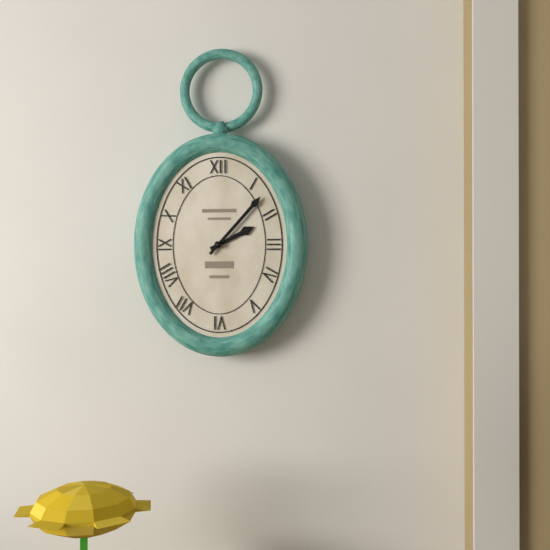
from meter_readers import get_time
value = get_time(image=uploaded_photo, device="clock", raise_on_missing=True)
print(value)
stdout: 2:07
